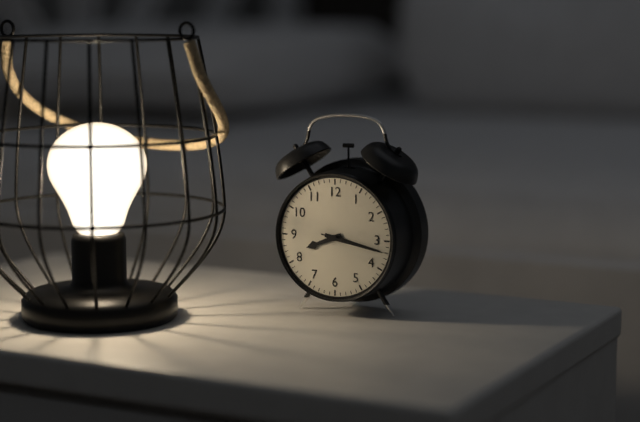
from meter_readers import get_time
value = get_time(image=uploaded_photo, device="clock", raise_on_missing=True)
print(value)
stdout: 8:17:17
